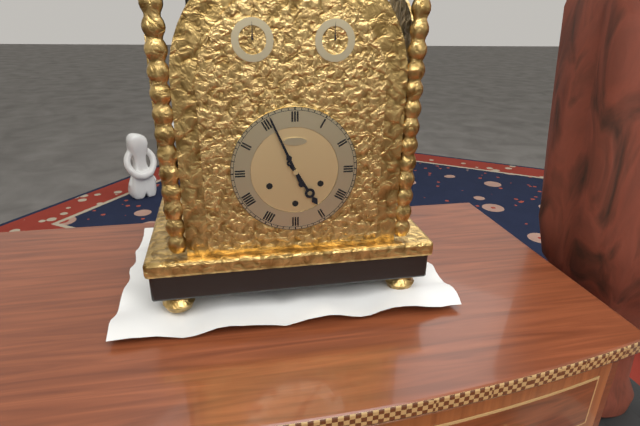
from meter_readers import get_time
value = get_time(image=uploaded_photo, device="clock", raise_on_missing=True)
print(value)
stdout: 4:56
